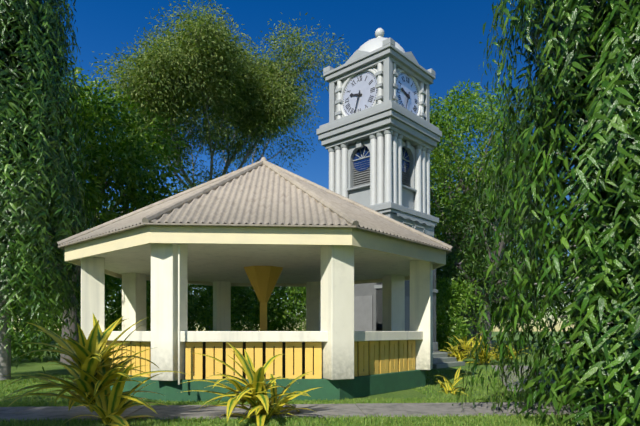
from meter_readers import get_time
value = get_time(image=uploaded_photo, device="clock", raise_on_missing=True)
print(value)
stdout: 9:33
